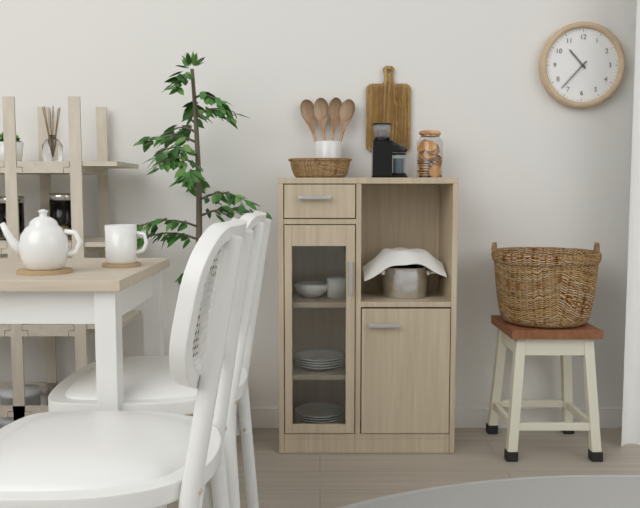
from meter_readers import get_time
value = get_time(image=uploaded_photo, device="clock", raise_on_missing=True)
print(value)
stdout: 10:37
